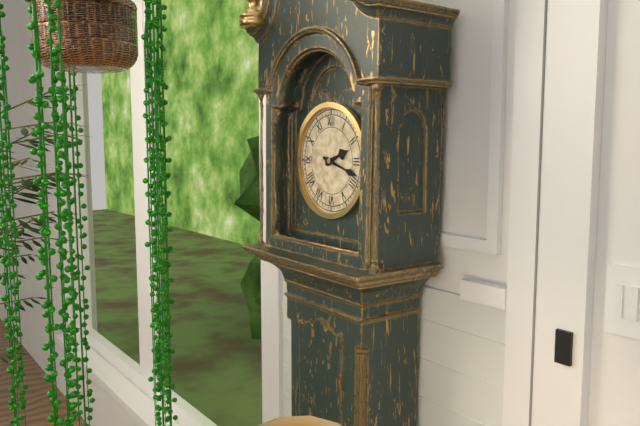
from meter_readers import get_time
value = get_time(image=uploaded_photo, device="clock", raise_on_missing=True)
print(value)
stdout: 2:18
